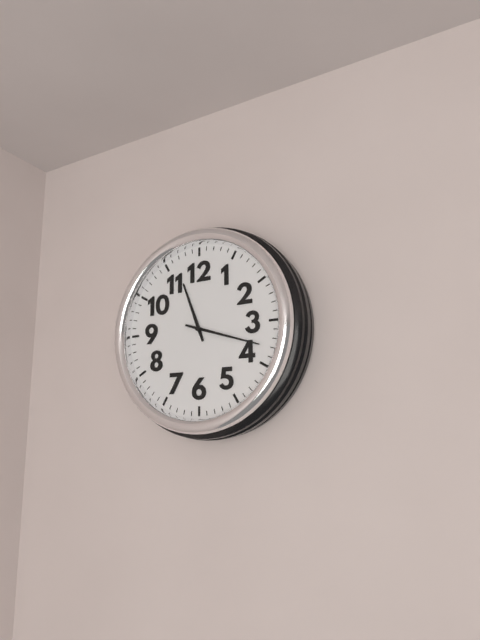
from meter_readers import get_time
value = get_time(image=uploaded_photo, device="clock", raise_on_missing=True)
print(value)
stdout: 11:18
